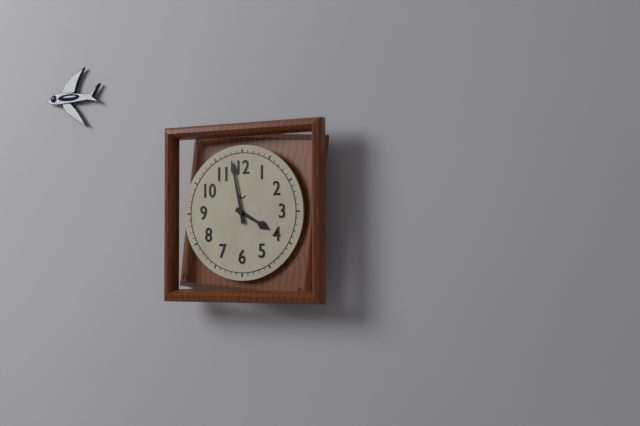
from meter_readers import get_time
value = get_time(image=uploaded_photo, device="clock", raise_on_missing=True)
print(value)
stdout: 3:58
